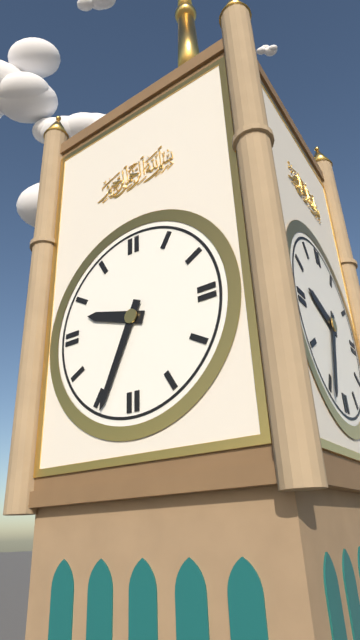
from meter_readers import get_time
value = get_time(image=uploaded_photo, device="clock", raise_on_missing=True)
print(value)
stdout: 9:34
